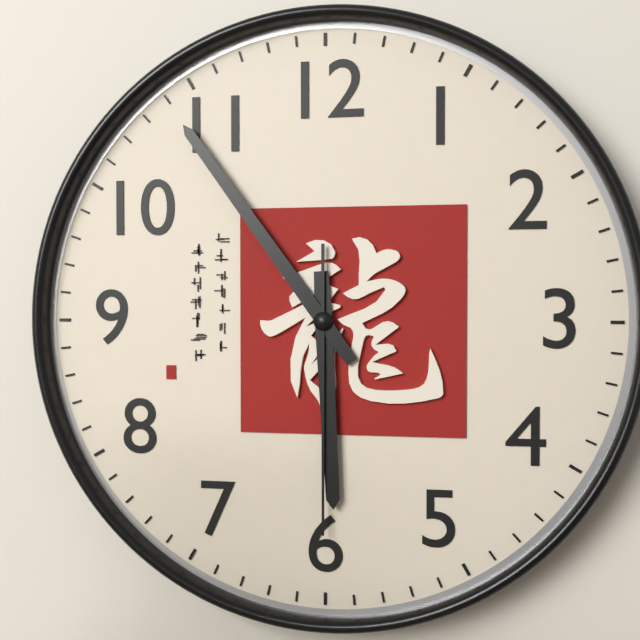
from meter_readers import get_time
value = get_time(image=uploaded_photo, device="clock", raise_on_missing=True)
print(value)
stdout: 5:54:30
